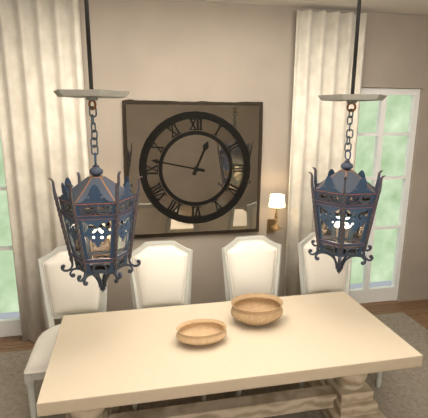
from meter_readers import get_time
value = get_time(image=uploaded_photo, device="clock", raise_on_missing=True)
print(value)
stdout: 12:47
